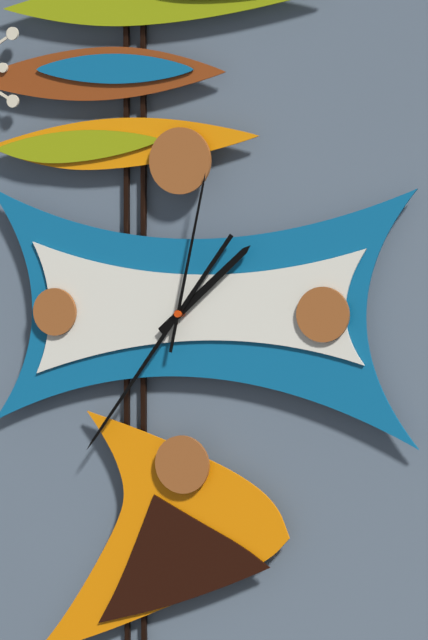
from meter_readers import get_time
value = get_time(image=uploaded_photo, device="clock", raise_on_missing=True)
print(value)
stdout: 1:36:02
